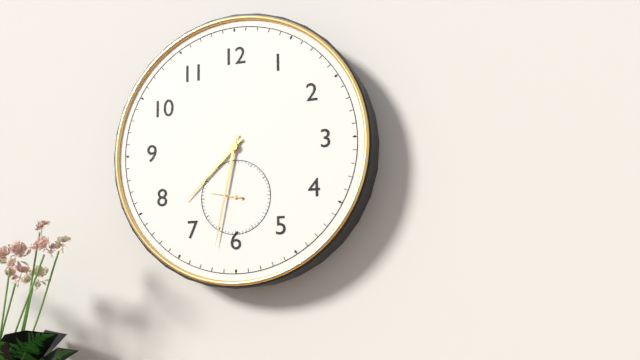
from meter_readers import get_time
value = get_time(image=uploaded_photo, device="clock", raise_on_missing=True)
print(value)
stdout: 7:32
